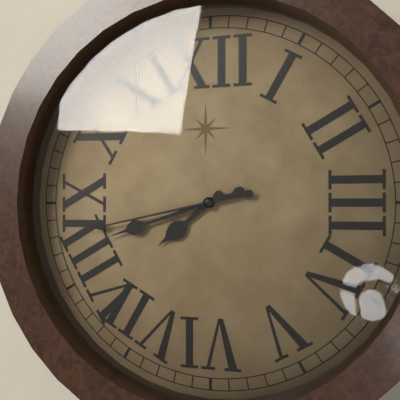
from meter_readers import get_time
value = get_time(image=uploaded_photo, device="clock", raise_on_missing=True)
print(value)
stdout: 7:42:43
